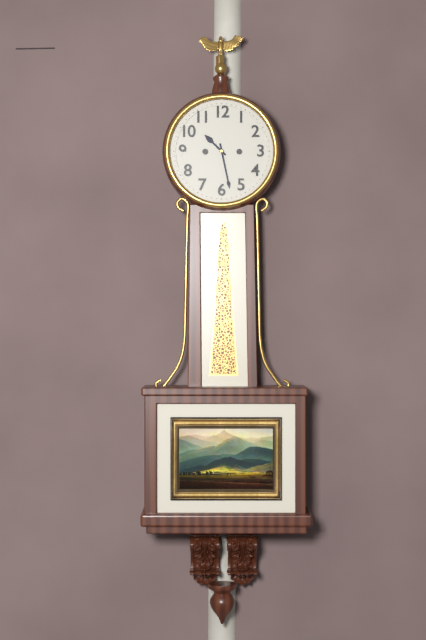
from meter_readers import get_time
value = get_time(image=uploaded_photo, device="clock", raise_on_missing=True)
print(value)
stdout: 10:28
